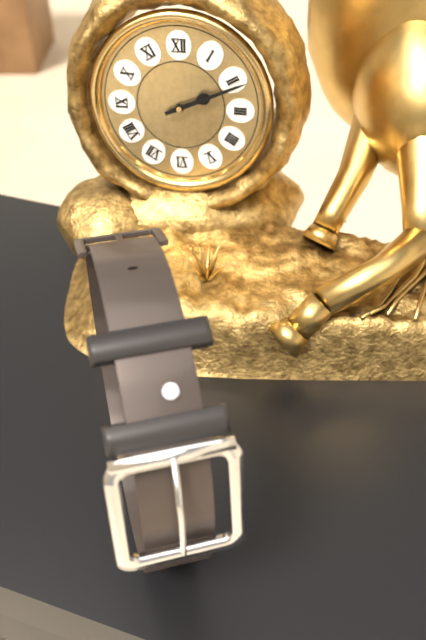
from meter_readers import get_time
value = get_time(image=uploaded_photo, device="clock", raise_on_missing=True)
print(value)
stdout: 2:11
